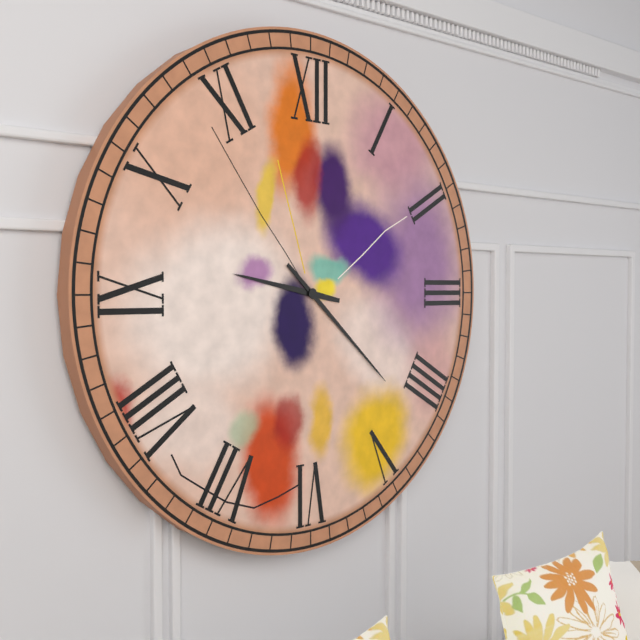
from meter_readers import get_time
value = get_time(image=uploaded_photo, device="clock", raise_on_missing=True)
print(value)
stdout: 9:22
